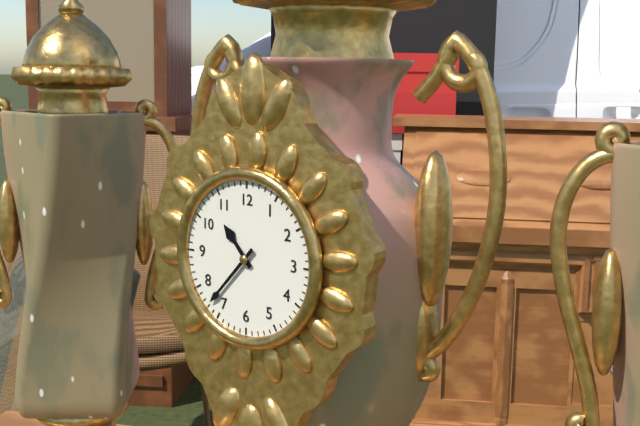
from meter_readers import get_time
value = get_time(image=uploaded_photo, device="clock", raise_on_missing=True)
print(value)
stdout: 10:37
